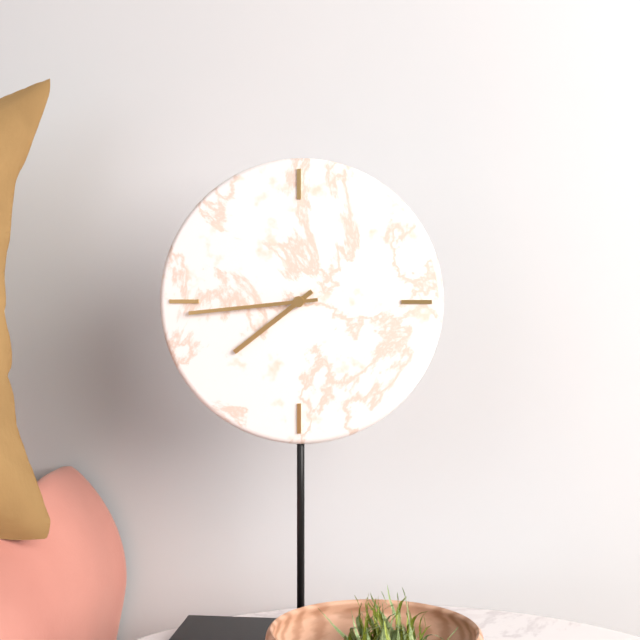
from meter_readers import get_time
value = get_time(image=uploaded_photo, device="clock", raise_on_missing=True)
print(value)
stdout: 7:44
